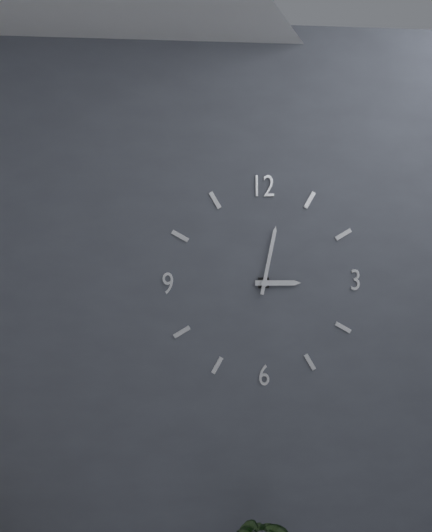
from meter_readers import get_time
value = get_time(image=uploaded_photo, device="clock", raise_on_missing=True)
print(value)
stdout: 3:02
